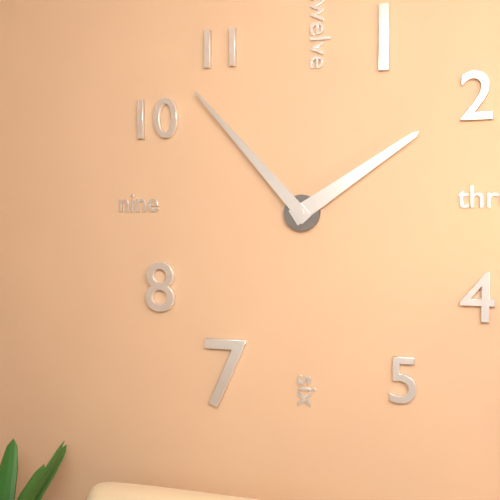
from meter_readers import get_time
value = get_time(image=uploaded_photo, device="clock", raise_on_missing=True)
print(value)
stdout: 1:53
